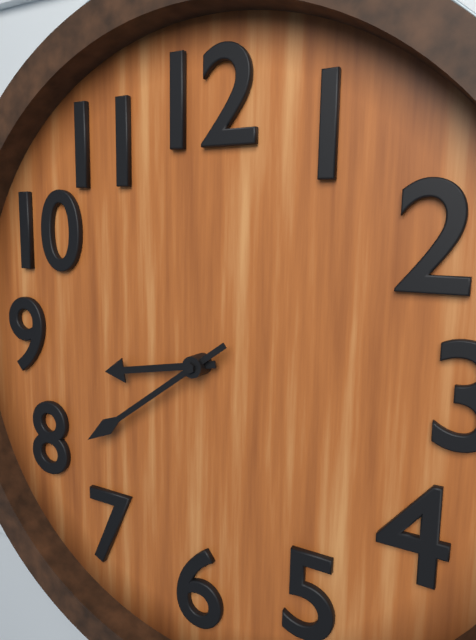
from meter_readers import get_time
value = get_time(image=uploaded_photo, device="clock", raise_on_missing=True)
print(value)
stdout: 8:39
